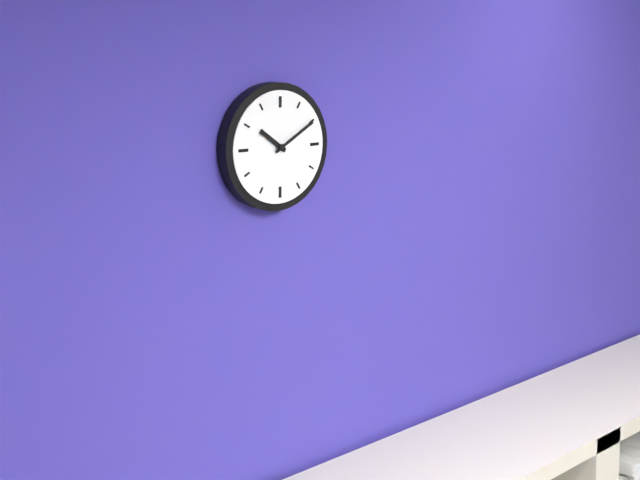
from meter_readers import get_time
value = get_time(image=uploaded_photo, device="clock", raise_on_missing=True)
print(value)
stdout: 10:10
